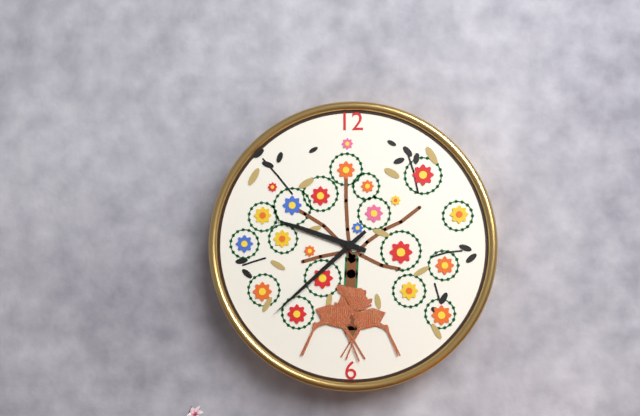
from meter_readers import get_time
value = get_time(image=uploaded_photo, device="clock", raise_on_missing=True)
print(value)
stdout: 9:38
